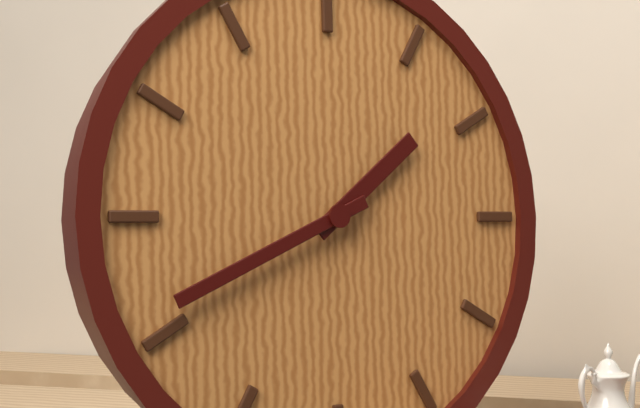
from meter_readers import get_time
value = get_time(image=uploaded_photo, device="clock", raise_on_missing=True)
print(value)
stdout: 1:41
